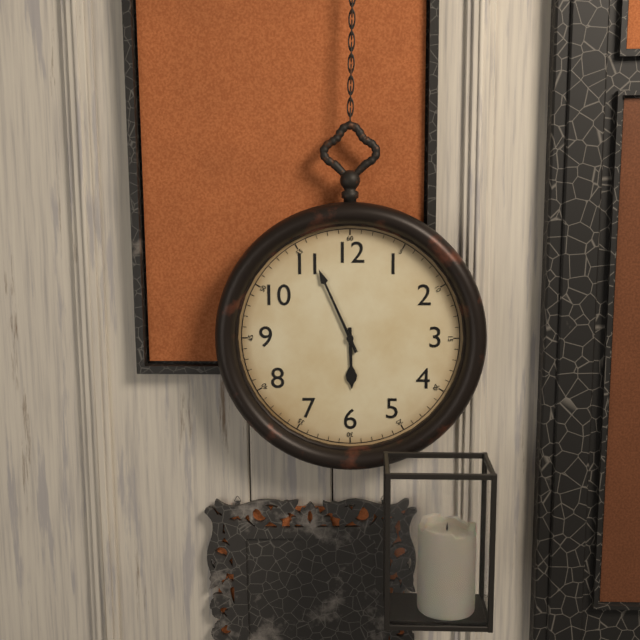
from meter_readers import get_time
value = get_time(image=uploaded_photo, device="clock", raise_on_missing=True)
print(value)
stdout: 5:56
